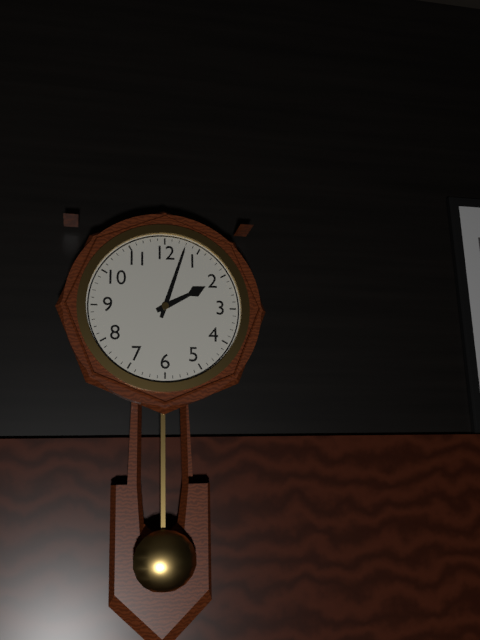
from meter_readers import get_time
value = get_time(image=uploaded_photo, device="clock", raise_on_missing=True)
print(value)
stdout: 2:03
